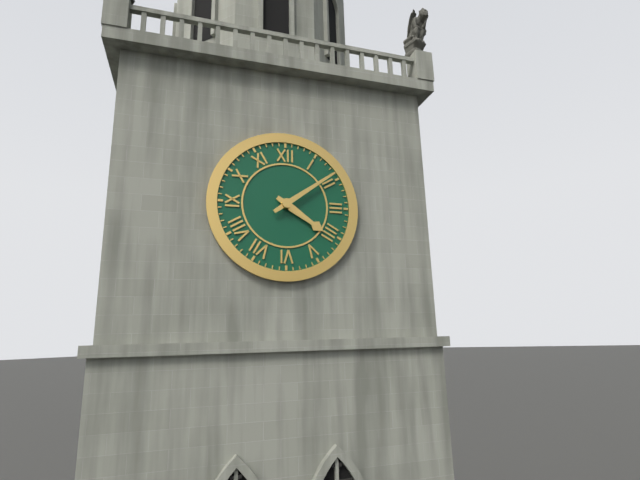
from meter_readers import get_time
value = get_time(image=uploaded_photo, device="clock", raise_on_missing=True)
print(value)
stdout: 4:09
